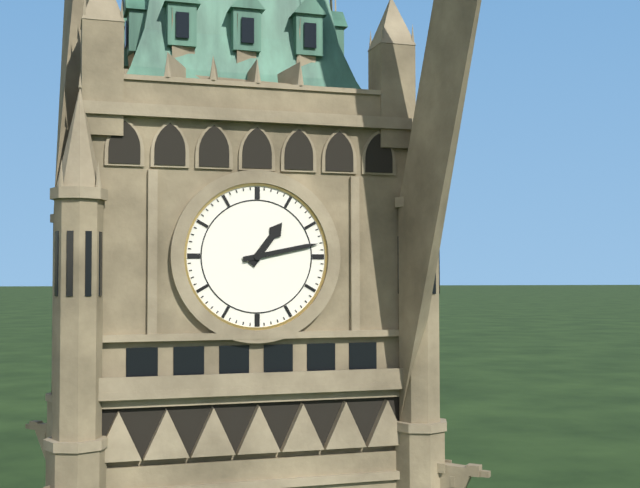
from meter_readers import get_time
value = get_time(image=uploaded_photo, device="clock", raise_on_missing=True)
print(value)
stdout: 1:13
